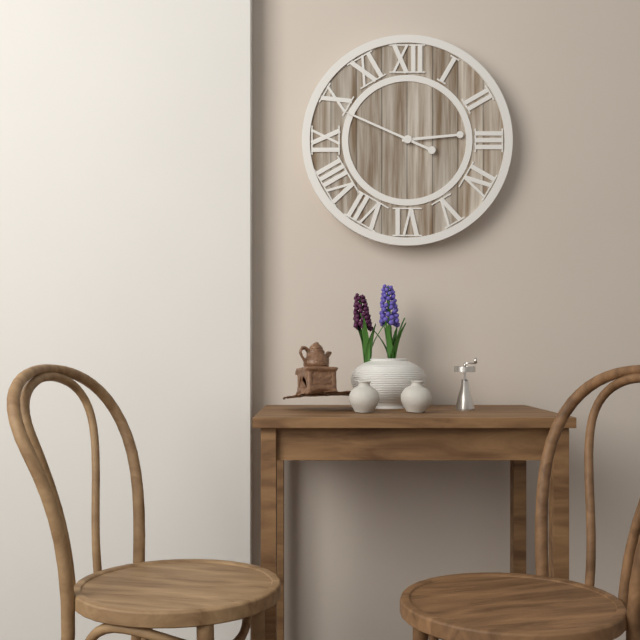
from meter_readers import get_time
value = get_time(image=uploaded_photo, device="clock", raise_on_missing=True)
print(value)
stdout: 2:49
